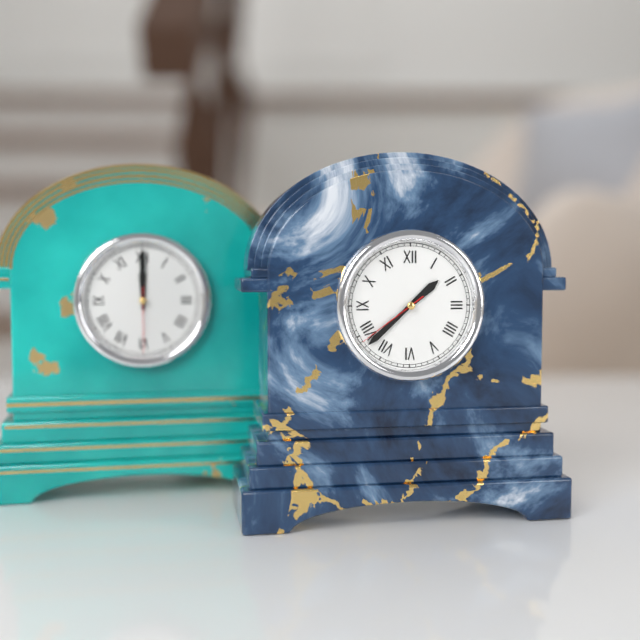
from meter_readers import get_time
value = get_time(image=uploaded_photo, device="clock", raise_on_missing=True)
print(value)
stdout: 1:38:39
